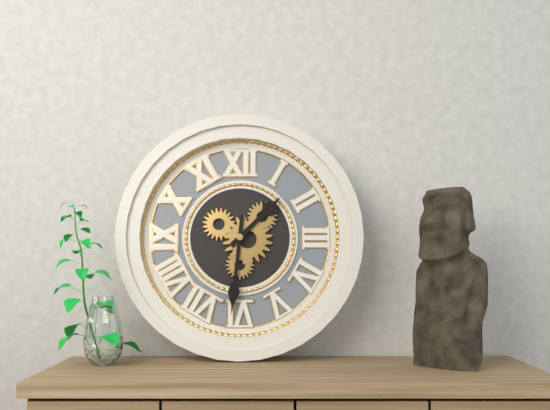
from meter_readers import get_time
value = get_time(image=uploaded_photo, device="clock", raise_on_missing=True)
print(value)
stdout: 1:31
